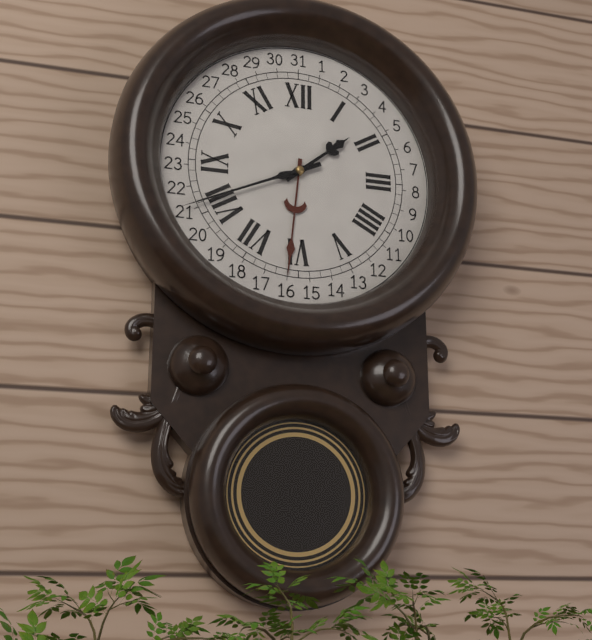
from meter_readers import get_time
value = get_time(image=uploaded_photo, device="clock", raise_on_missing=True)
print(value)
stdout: 1:41
